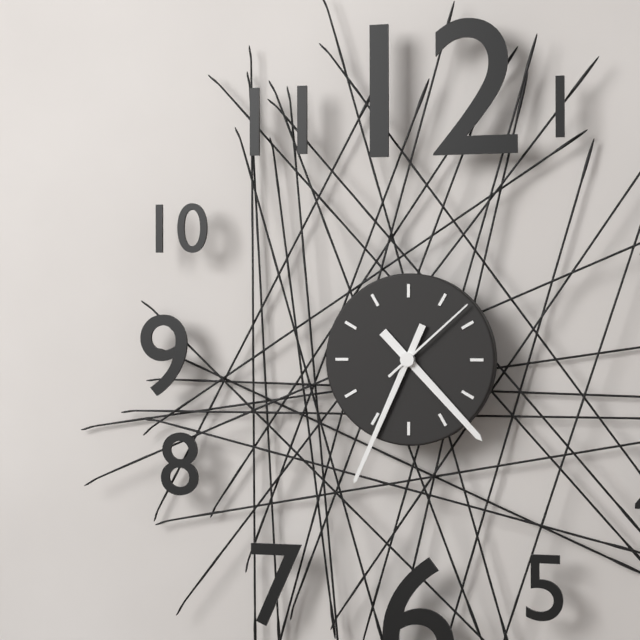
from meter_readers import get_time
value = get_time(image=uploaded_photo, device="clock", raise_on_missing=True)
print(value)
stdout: 4:34:08
